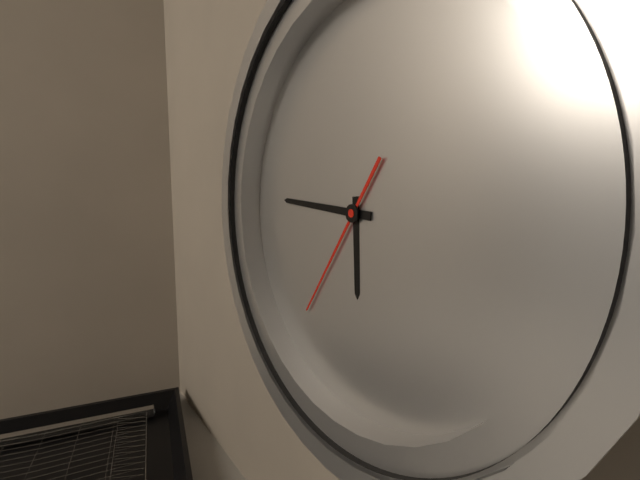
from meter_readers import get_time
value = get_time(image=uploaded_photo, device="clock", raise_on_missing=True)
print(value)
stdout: 5:45:35
